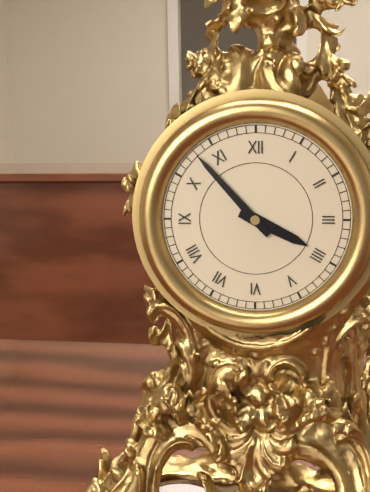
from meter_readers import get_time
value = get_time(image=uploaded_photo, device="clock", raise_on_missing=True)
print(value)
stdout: 3:53
